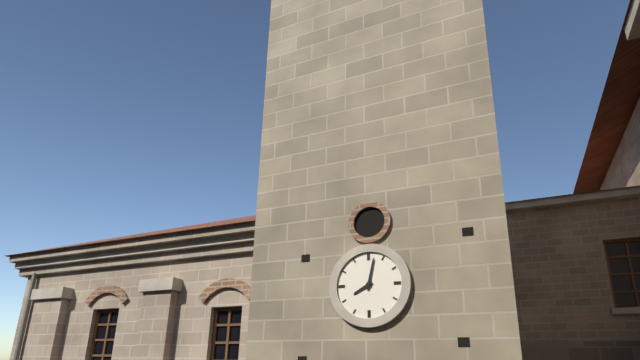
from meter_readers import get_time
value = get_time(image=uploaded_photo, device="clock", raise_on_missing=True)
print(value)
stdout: 8:02
